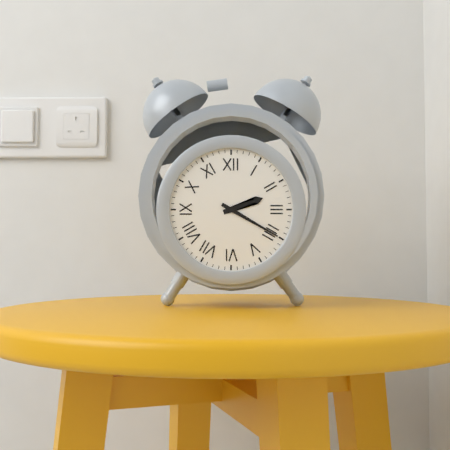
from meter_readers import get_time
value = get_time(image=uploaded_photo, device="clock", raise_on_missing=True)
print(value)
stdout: 2:20
